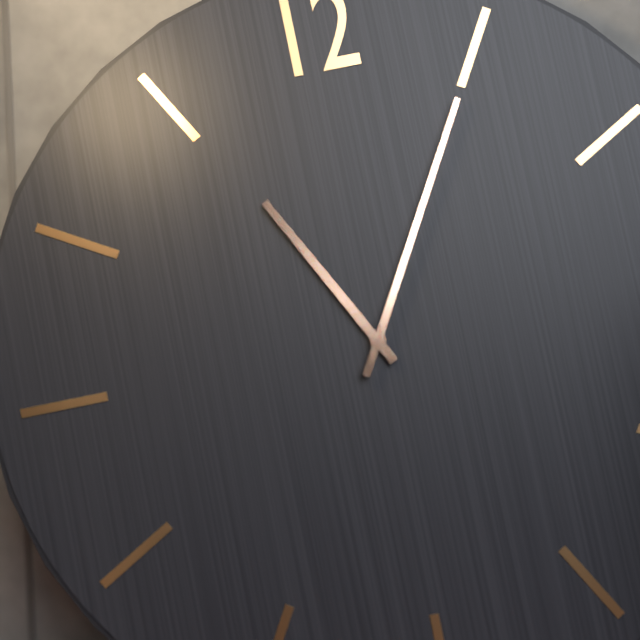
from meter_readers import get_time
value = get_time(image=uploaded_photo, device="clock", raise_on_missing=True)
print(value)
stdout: 11:05
